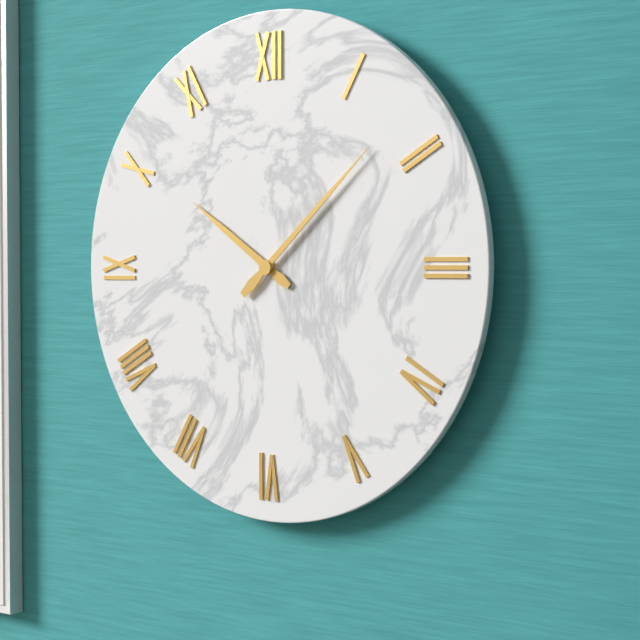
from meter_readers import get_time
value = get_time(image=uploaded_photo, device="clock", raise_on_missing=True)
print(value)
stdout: 10:08
